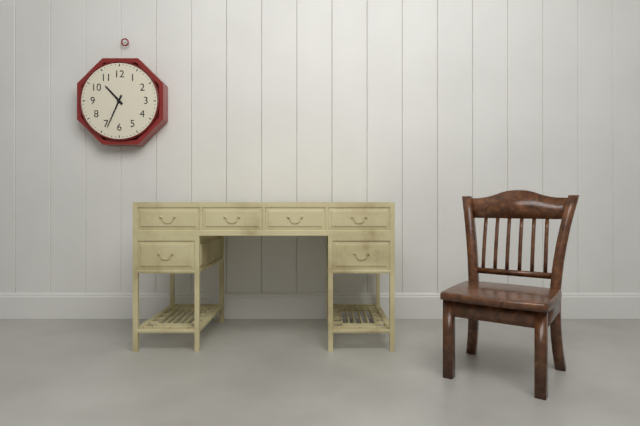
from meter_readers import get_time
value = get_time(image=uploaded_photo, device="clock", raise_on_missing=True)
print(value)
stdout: 10:34
